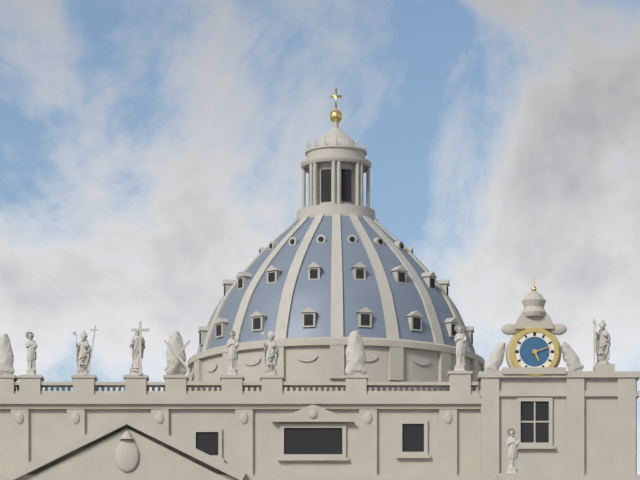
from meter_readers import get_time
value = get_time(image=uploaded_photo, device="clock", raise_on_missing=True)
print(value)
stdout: 5:12
